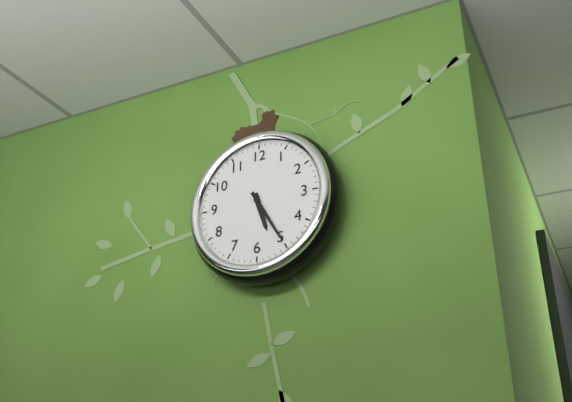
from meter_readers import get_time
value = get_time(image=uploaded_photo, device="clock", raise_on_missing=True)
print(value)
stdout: 5:25
